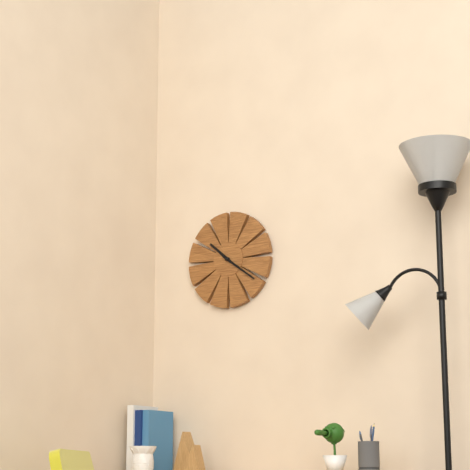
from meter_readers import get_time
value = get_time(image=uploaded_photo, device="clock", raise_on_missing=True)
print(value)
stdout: 10:21
